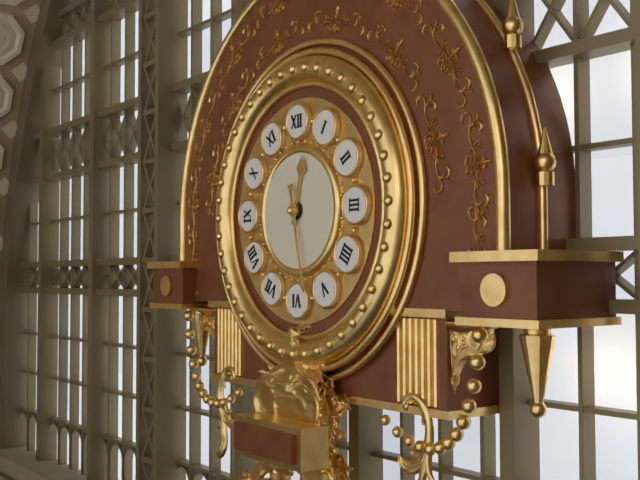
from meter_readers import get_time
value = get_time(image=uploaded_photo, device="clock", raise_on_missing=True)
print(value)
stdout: 12:28
